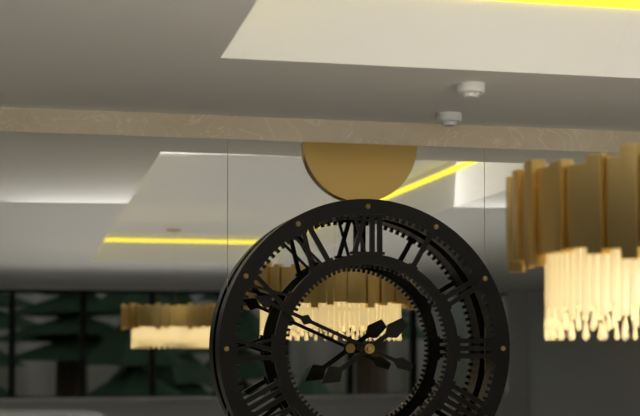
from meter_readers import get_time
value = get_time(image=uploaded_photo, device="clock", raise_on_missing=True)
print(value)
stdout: 7:49
